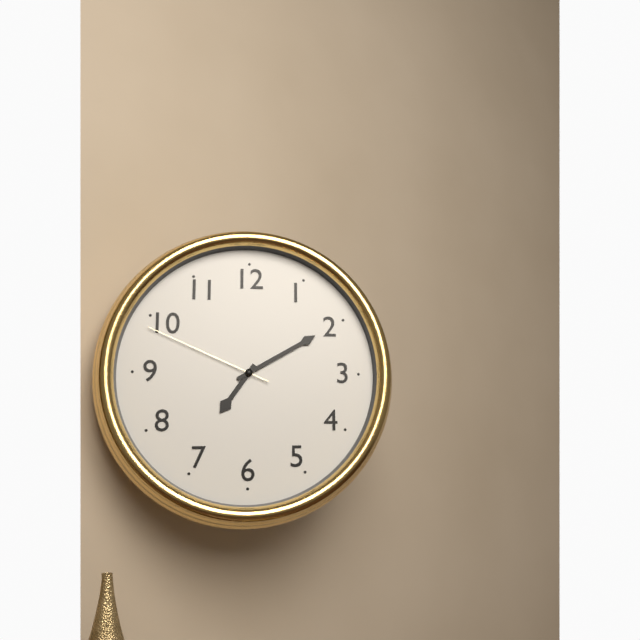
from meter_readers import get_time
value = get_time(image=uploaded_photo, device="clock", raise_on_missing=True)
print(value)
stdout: 7:10:49
